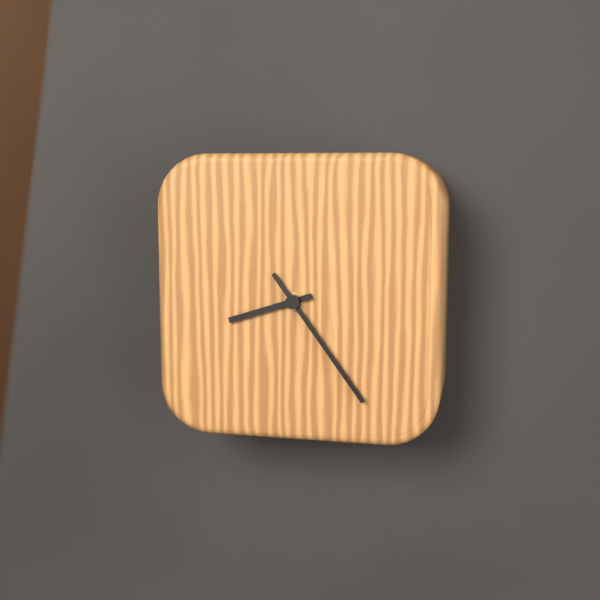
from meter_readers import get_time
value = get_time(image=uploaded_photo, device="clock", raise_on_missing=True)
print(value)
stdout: 8:24
